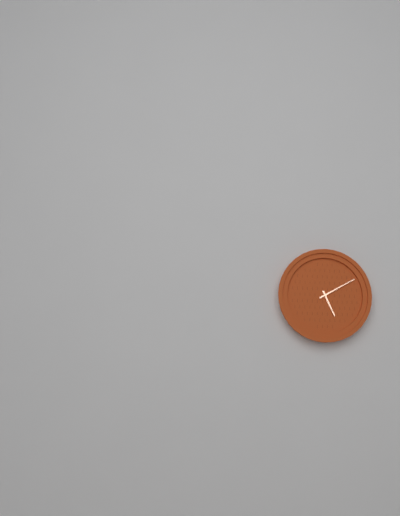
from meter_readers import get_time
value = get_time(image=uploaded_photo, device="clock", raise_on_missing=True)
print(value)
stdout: 5:10
